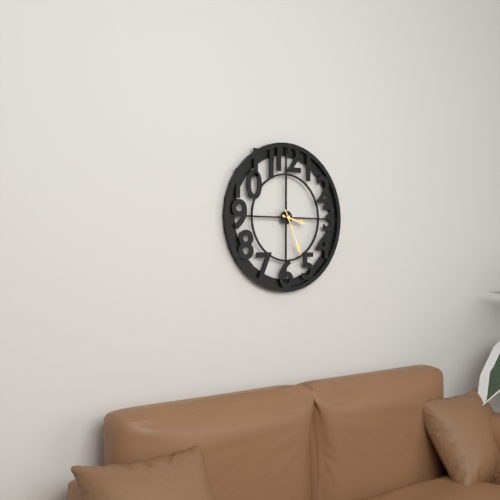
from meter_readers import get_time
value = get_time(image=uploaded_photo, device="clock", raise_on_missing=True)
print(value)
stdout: 3:26
